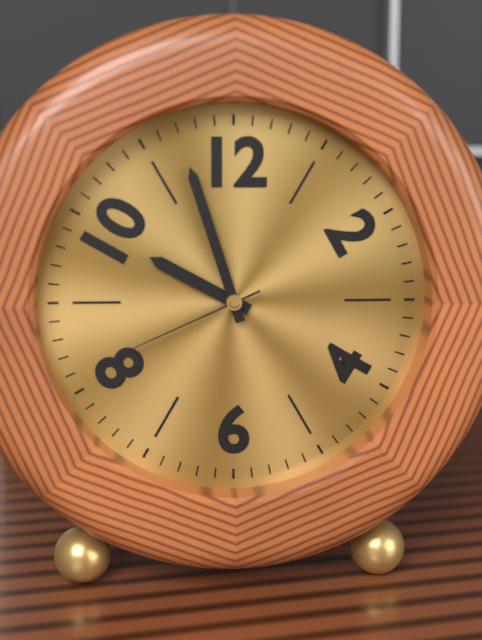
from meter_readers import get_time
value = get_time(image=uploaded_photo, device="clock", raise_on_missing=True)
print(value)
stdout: 9:57:41
